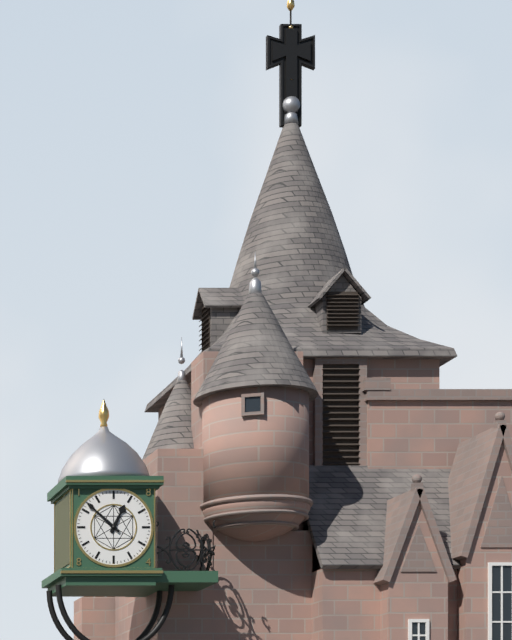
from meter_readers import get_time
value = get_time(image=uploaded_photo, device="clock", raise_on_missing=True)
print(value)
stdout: 12:52
